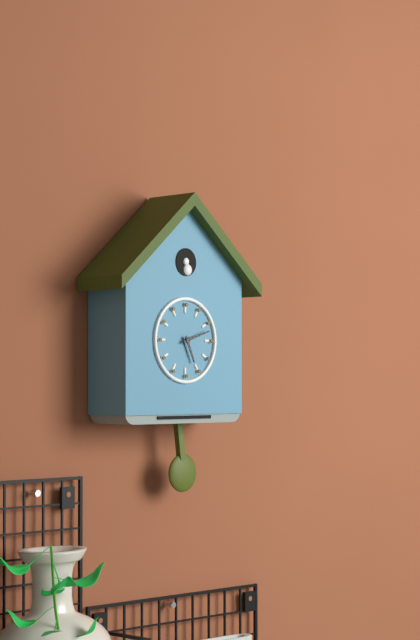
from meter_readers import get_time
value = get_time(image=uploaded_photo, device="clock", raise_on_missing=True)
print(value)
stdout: 5:12
